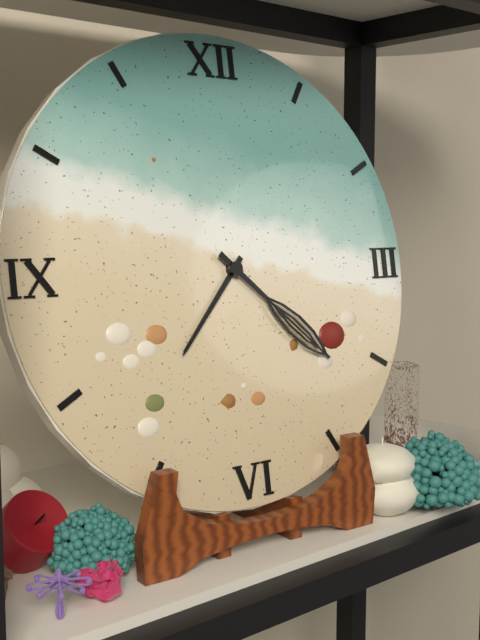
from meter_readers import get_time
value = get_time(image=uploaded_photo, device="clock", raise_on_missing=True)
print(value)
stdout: 7:22
